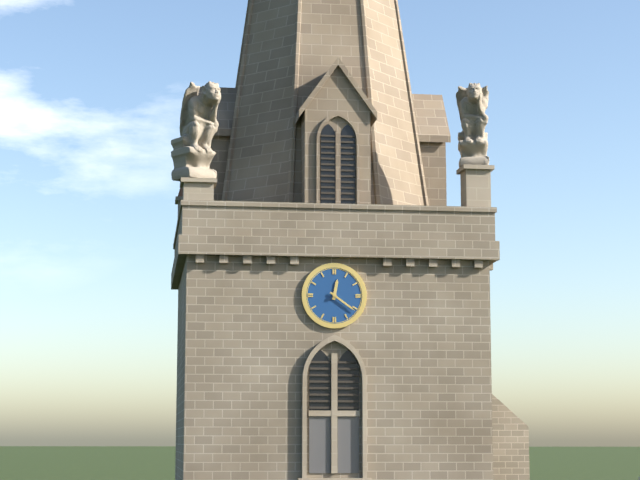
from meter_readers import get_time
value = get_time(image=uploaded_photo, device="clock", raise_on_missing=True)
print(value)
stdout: 12:21
